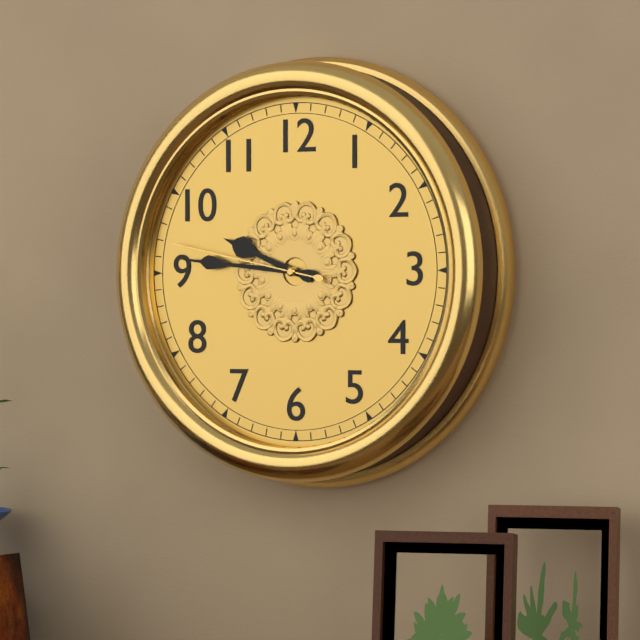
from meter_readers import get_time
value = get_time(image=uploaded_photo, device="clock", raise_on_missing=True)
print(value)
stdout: 9:46:47
